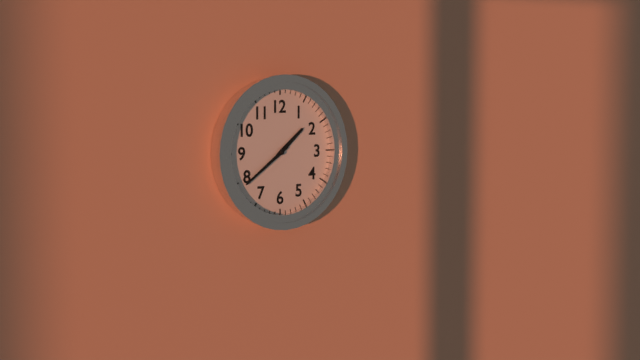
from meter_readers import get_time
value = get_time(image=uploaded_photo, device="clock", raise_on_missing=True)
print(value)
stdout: 1:39
